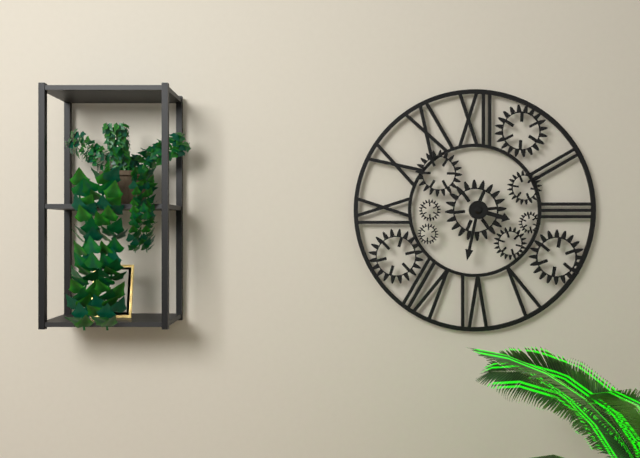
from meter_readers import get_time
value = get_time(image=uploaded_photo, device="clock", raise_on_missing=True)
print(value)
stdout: 3:32
